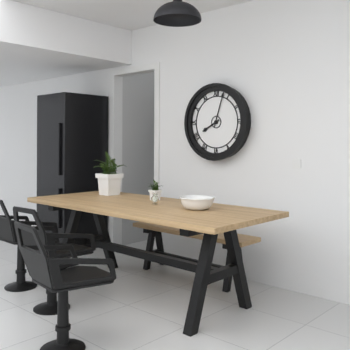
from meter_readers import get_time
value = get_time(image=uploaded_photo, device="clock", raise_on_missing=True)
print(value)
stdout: 8:03
